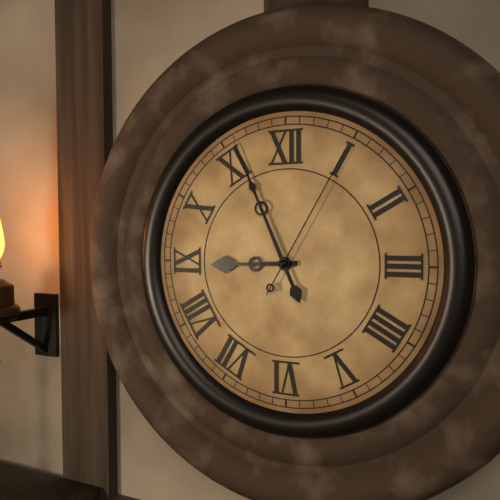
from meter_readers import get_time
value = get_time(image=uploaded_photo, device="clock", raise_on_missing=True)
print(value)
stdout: 8:56:05
